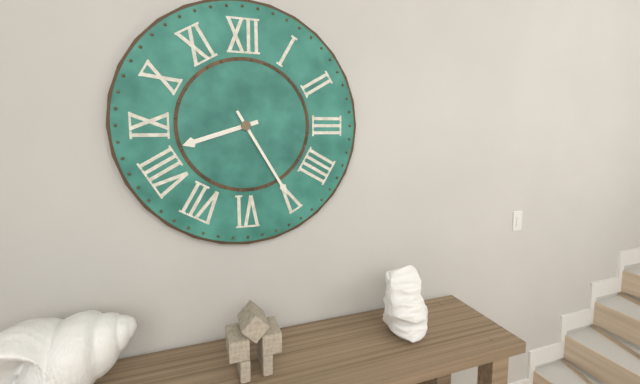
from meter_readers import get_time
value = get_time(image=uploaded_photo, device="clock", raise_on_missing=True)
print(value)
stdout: 8:25
